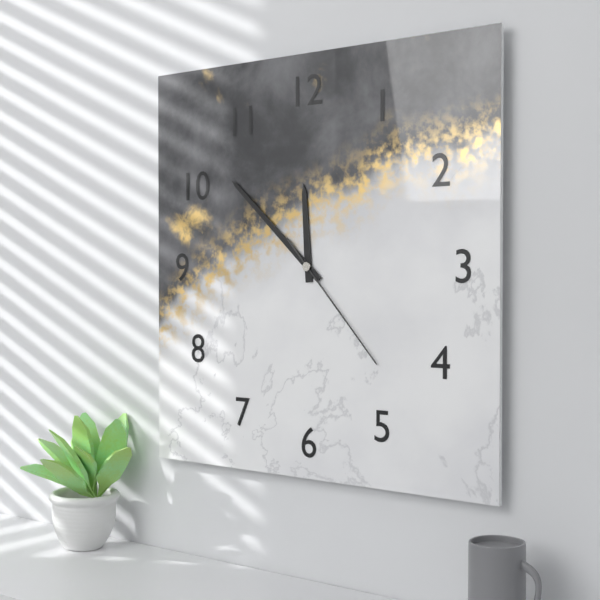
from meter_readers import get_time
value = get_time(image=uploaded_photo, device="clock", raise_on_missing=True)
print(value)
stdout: 11:52:23
